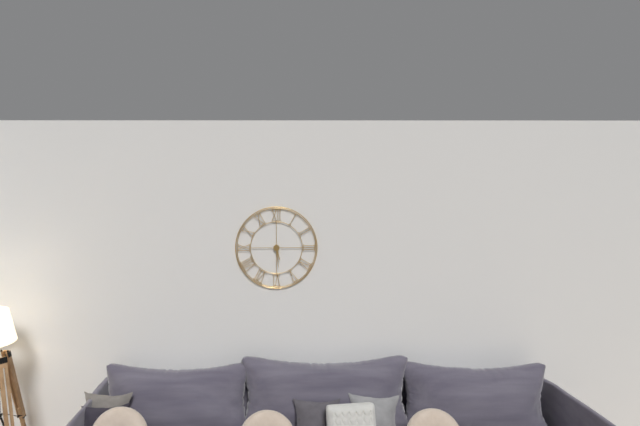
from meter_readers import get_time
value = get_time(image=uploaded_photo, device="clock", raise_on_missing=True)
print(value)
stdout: 5:29
